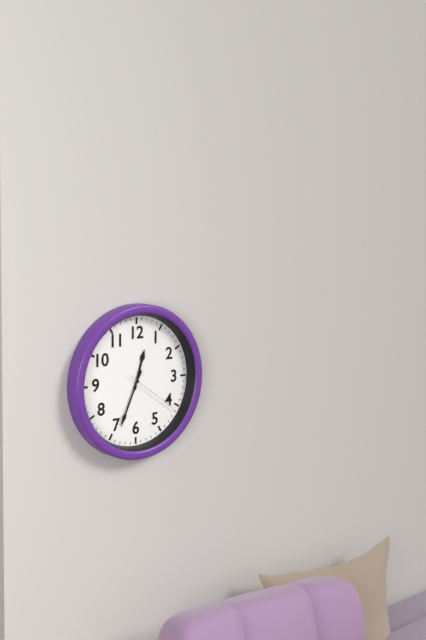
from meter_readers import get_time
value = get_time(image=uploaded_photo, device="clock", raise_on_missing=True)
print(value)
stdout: 12:34:21
